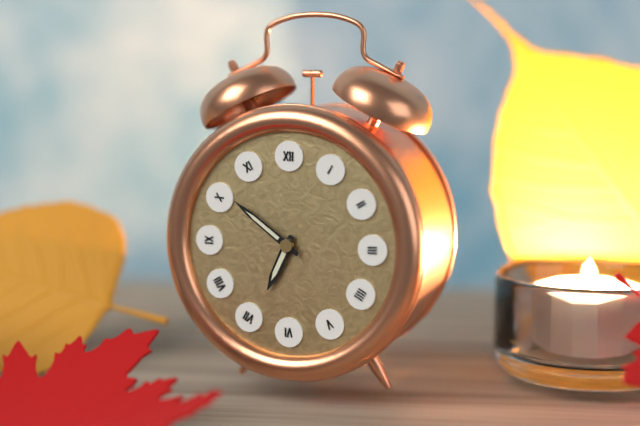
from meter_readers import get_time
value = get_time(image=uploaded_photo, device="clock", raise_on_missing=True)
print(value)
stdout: 6:51
